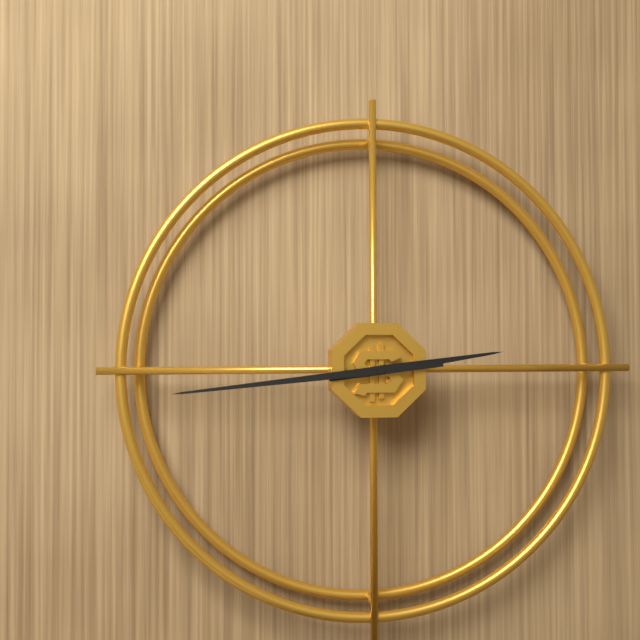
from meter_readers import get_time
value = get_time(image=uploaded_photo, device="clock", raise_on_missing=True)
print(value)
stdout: 2:44
